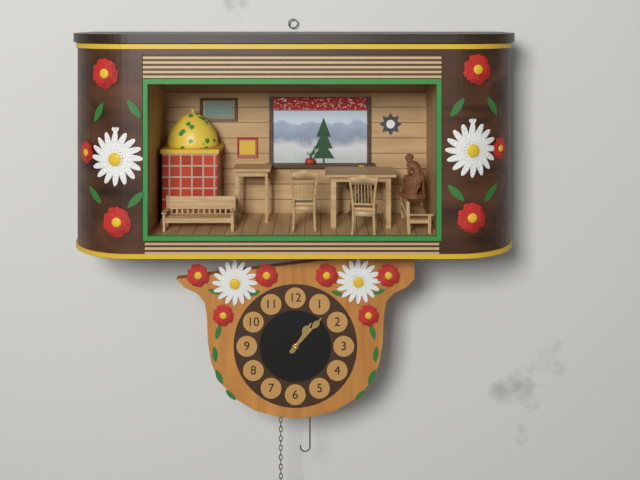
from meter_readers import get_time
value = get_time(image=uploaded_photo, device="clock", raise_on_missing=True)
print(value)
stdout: 1:07
